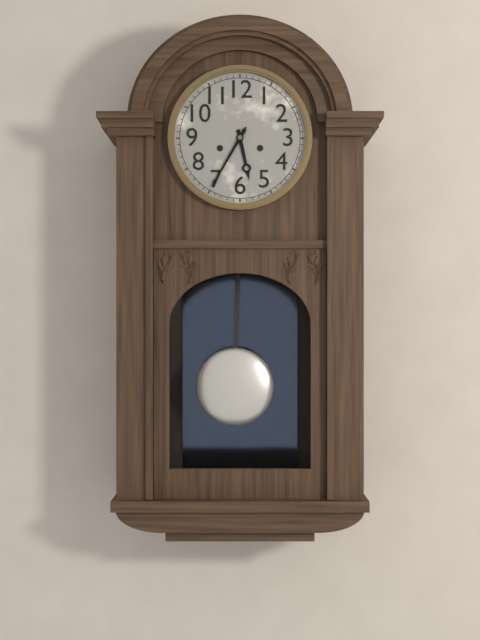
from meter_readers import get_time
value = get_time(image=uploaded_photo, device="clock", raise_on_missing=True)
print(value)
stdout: 5:35
